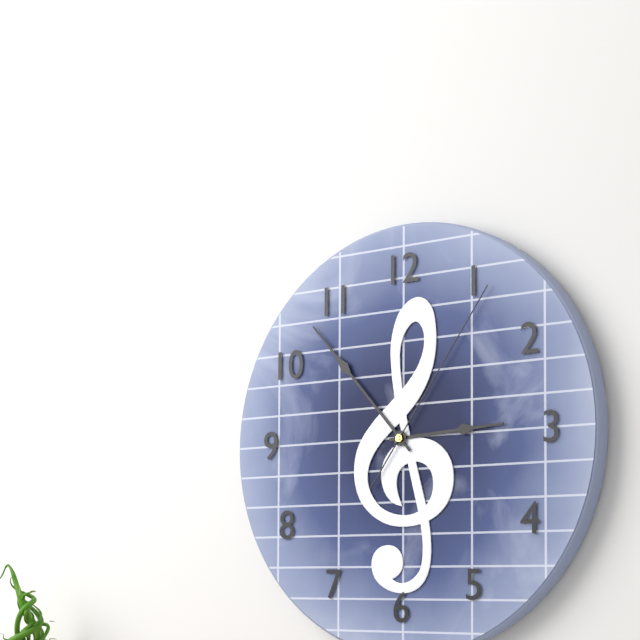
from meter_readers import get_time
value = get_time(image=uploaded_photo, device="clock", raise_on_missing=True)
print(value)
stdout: 2:53:06
